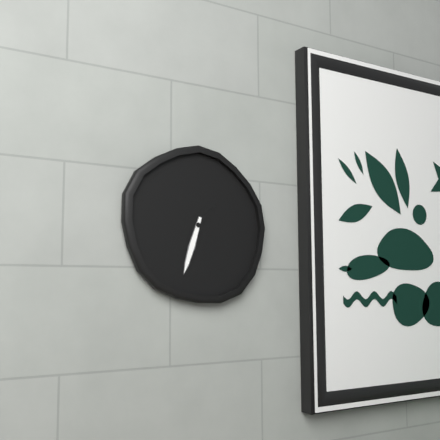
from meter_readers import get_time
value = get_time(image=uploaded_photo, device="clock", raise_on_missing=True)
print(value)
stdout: 1:33
